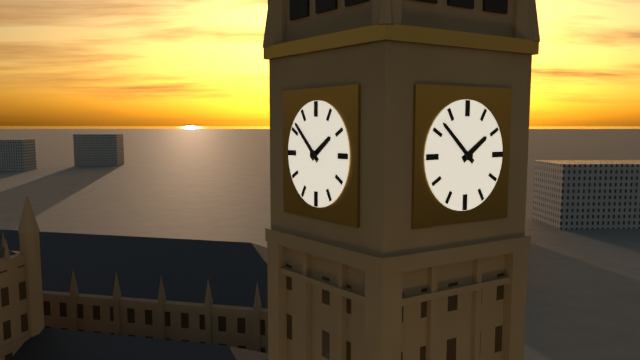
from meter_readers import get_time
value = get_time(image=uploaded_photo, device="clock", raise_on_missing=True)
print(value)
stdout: 1:52
